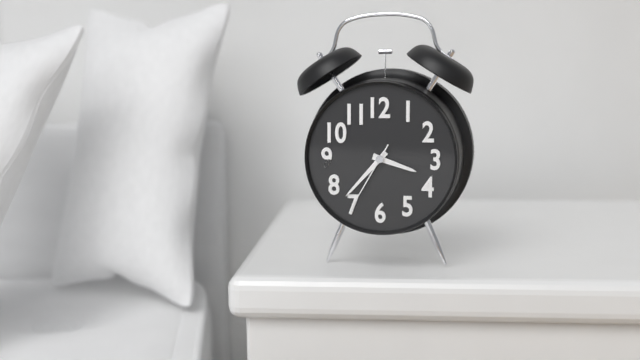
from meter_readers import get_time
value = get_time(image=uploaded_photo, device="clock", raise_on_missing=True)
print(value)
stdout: 3:37:35
